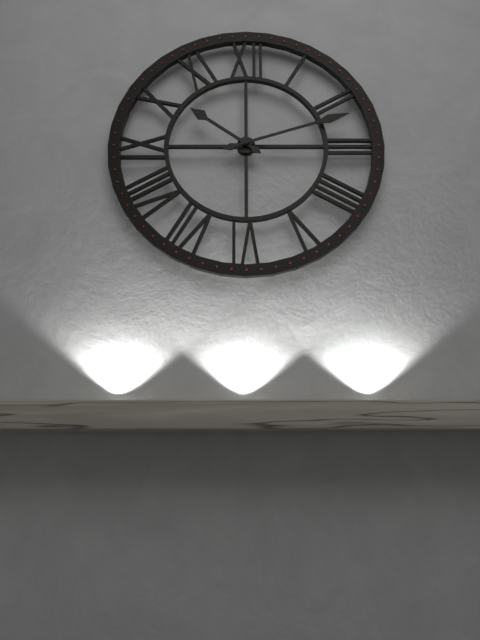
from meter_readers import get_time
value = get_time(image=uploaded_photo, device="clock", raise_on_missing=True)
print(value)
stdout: 10:12
